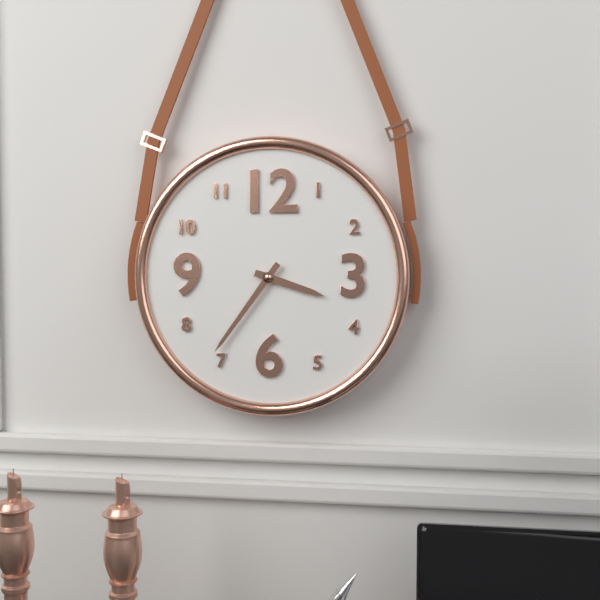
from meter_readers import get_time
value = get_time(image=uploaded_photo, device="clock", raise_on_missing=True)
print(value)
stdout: 3:36
